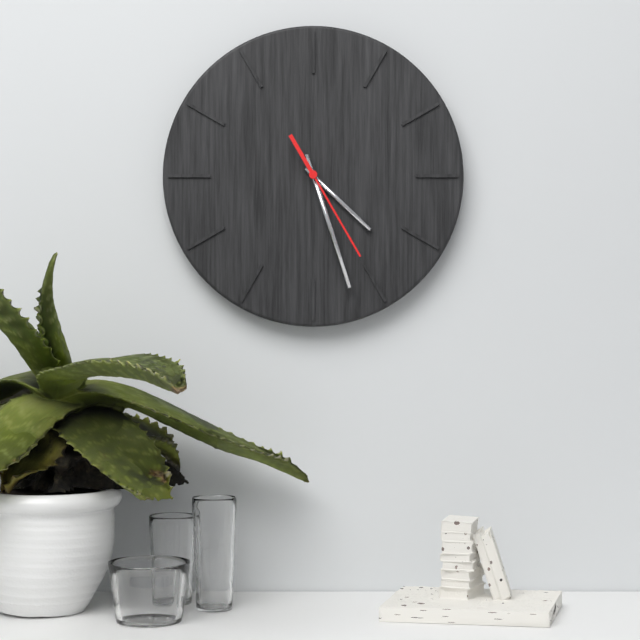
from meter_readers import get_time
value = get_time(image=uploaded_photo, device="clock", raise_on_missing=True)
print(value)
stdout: 4:27:25
